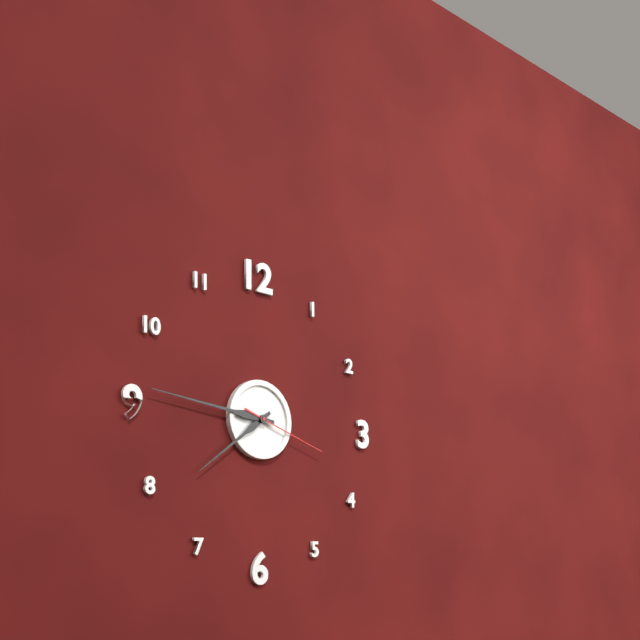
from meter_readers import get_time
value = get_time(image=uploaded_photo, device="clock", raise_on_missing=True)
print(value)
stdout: 7:46:18
